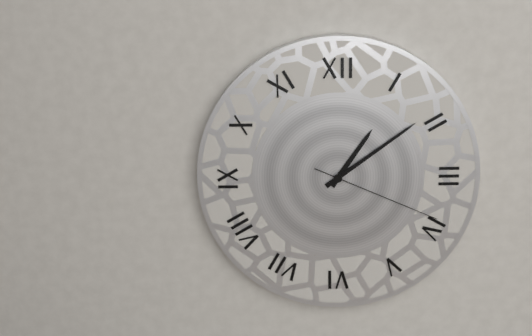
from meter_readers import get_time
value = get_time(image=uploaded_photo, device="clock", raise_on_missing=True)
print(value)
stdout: 1:09:19
